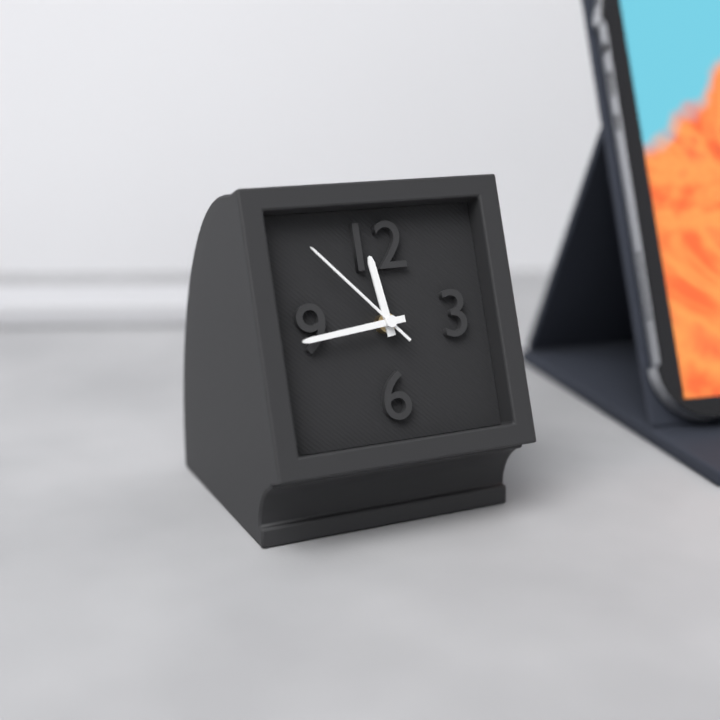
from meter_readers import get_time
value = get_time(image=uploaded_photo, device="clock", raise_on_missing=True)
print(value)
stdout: 11:44:53
